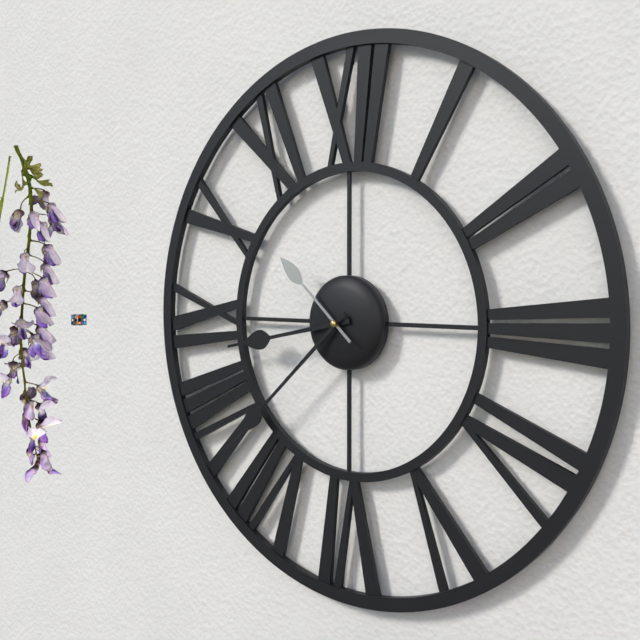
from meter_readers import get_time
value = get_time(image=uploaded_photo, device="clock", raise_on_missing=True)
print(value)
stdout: 8:38:52
